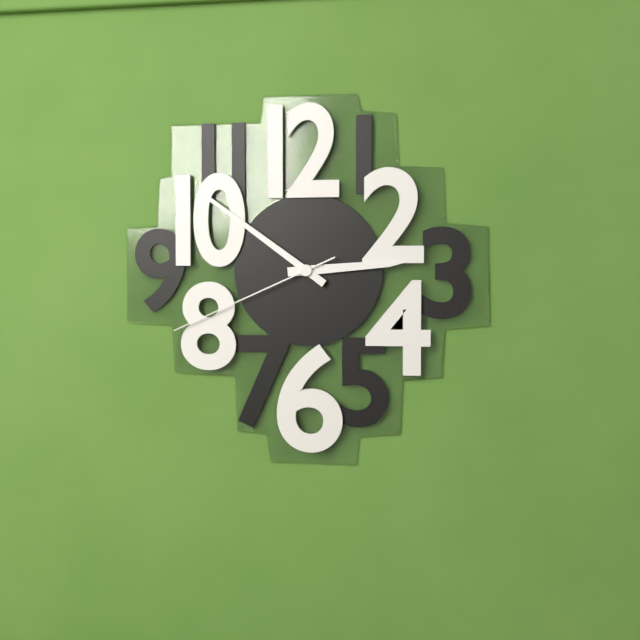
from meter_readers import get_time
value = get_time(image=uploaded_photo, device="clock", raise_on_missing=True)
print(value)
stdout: 2:51:41
